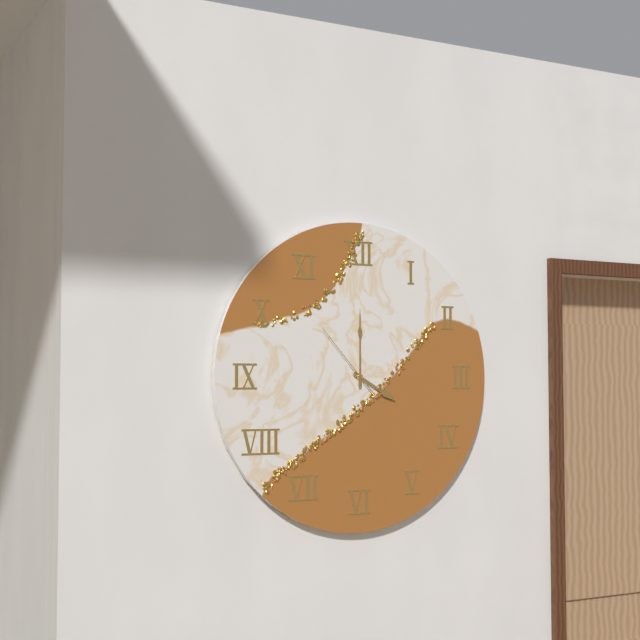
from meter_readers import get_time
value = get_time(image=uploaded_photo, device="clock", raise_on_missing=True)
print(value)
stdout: 4:00:53
